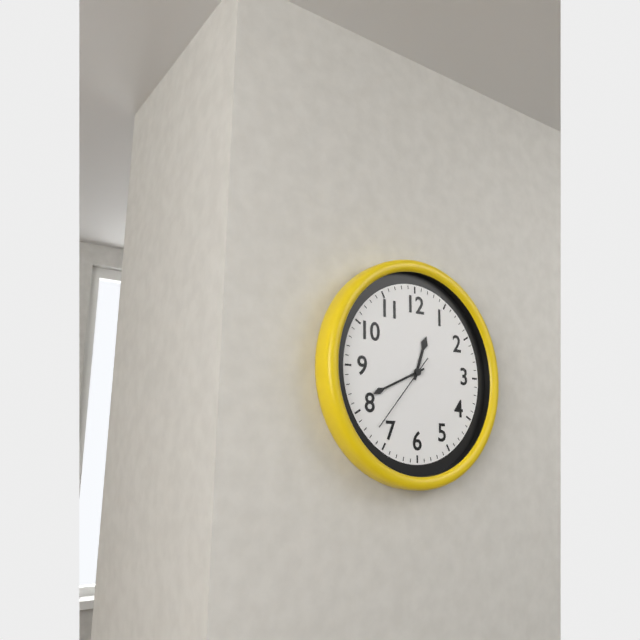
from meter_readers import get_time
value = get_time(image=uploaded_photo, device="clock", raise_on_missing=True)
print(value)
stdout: 12:41:37
